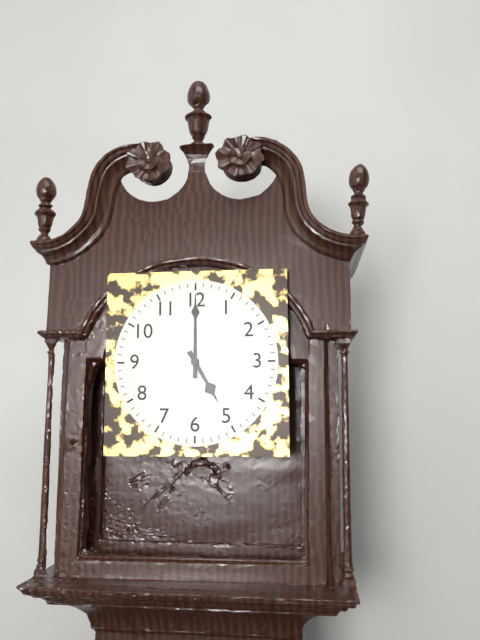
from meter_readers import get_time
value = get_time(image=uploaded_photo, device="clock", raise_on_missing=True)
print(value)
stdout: 5:00
